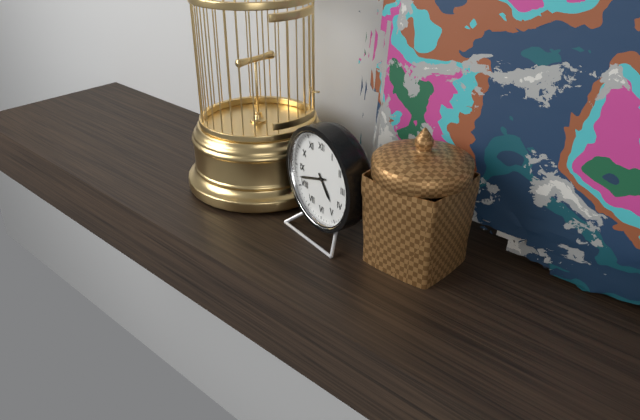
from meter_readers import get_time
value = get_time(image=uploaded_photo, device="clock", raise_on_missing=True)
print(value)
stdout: 4:42
